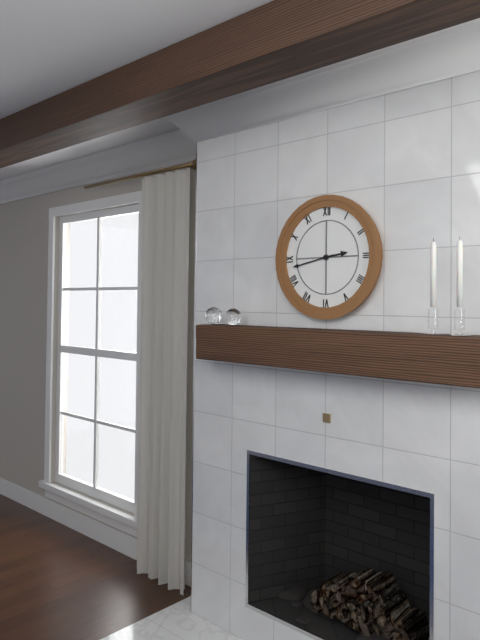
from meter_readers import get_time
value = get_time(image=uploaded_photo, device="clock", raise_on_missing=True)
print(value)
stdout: 2:43
